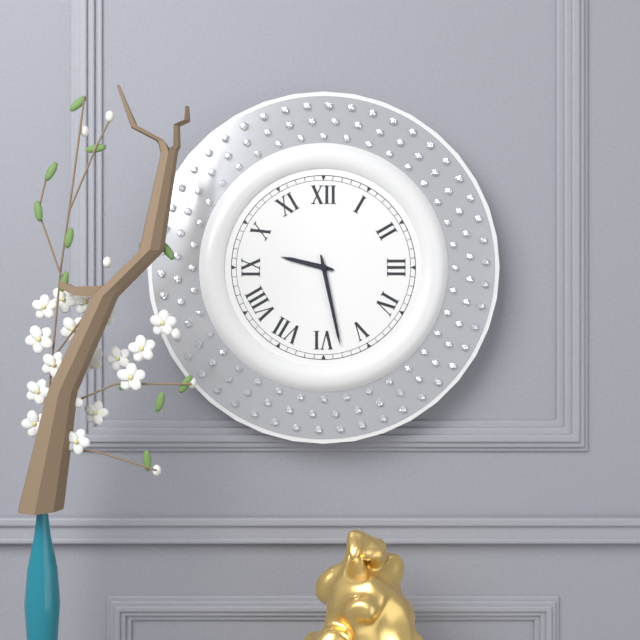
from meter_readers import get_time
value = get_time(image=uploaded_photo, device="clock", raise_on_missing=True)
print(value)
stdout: 9:28
